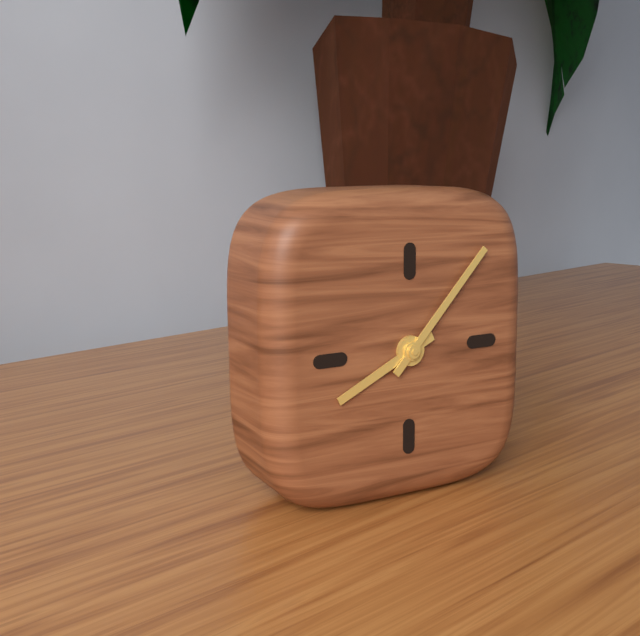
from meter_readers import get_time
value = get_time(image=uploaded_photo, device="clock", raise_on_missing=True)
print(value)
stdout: 8:07
